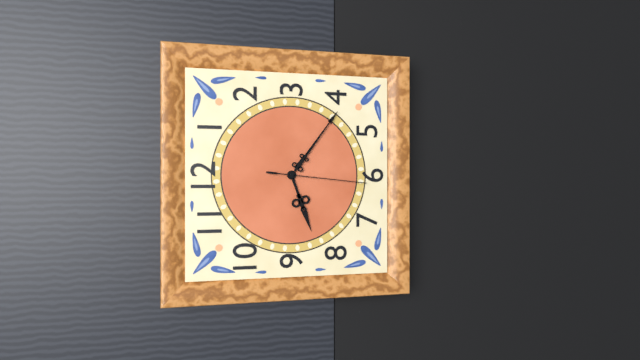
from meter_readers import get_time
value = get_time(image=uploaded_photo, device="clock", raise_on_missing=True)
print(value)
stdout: 8:21:31
